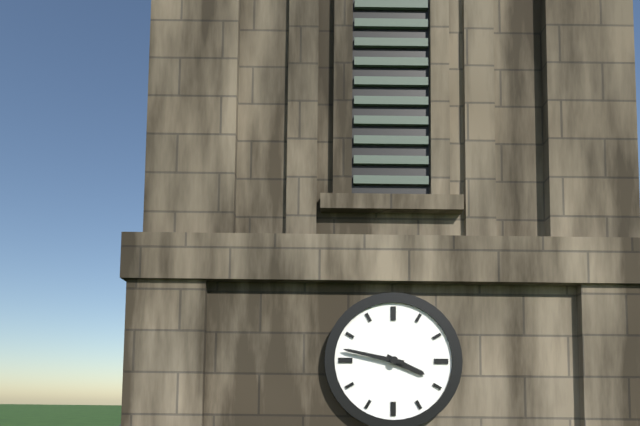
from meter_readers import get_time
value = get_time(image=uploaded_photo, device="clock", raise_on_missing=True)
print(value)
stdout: 3:47
